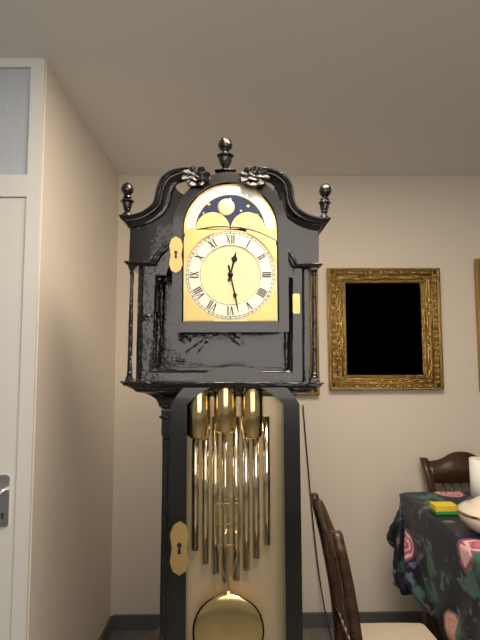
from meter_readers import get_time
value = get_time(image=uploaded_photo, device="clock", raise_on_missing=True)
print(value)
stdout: 12:28
